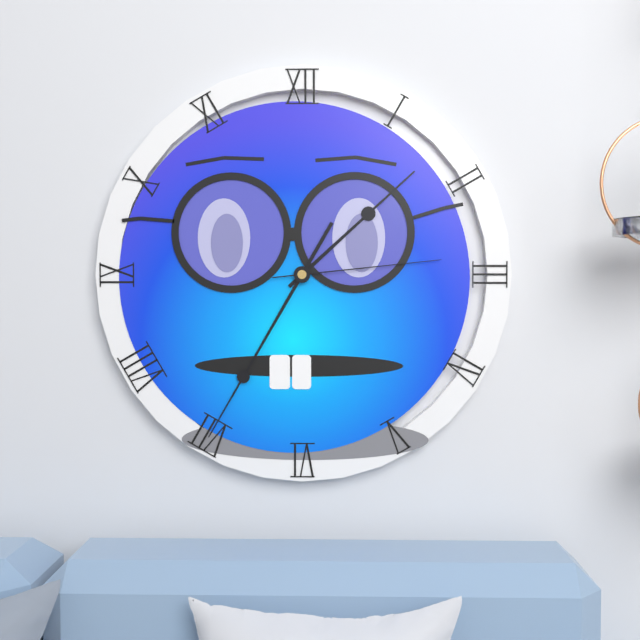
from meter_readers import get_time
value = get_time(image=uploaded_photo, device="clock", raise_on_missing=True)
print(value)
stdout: 1:35:14
